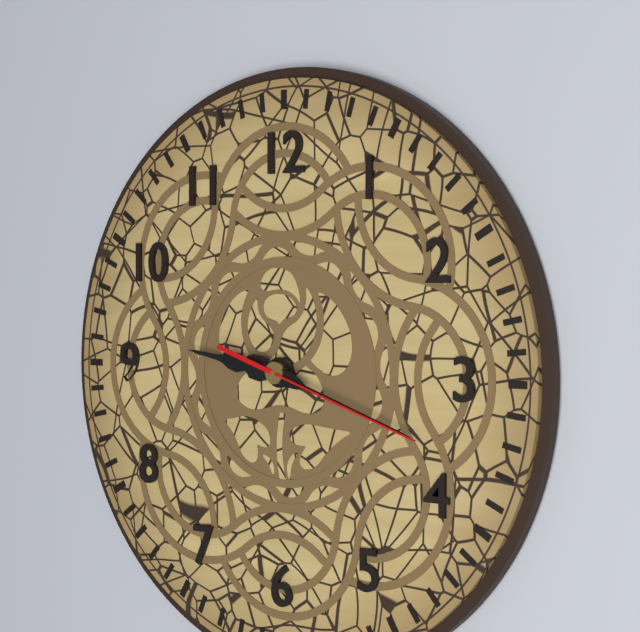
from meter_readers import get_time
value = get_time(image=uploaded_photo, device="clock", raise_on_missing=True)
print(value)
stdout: 9:18:18
